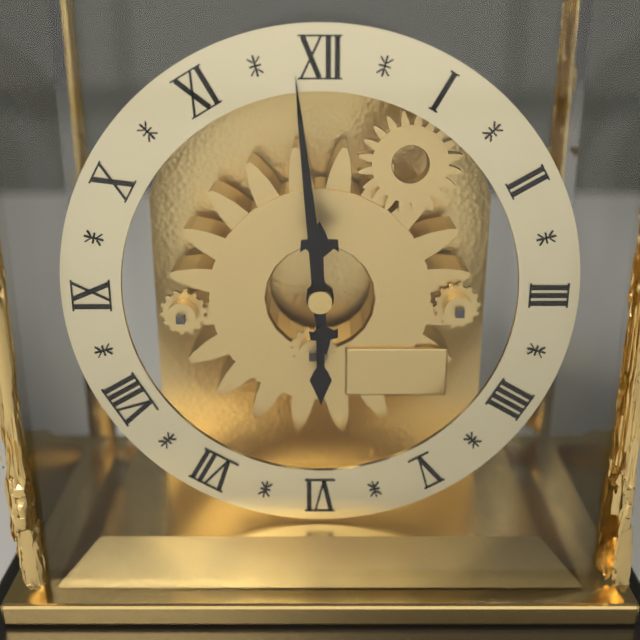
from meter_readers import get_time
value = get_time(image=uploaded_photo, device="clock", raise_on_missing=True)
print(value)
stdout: 5:59
